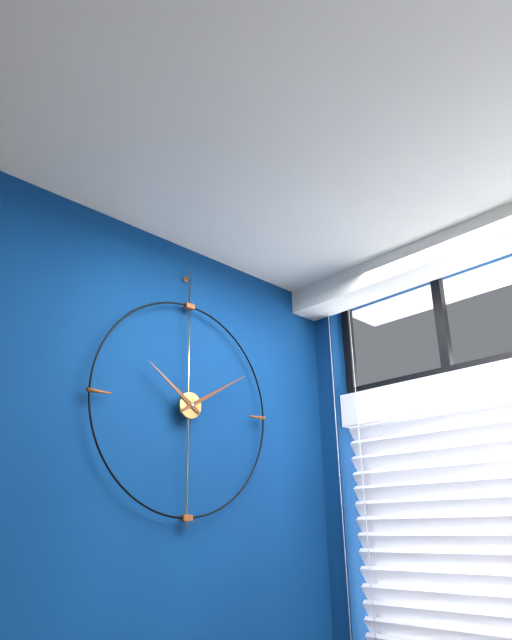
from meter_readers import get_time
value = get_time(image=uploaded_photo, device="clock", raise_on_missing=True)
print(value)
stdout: 10:10
